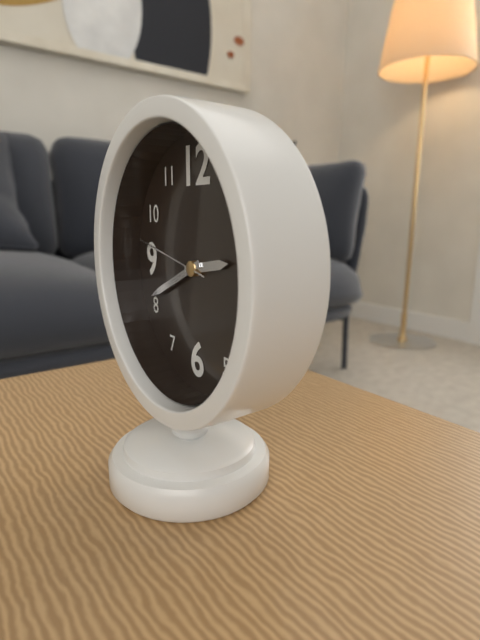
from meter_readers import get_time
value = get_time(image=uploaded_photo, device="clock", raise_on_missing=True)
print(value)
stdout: 2:41:47
